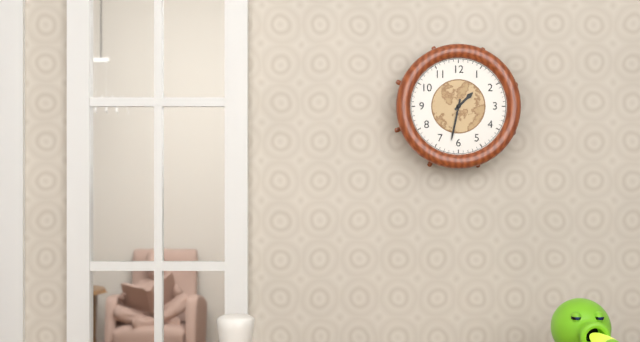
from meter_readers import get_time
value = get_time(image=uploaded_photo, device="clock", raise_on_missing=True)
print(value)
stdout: 1:32
